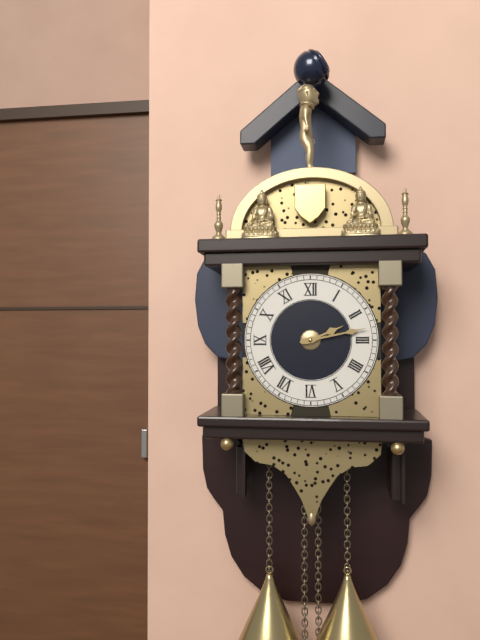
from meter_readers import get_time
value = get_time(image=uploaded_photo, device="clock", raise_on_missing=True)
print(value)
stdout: 2:13
